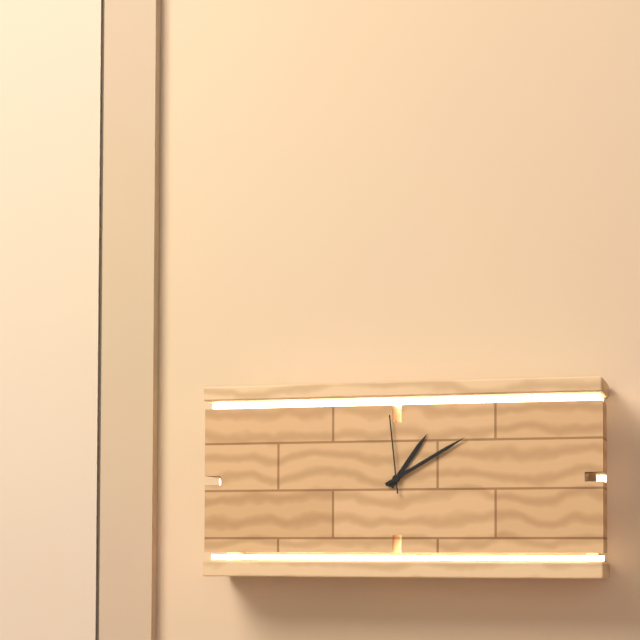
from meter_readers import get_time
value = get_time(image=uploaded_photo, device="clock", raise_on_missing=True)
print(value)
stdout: 1:10:59
